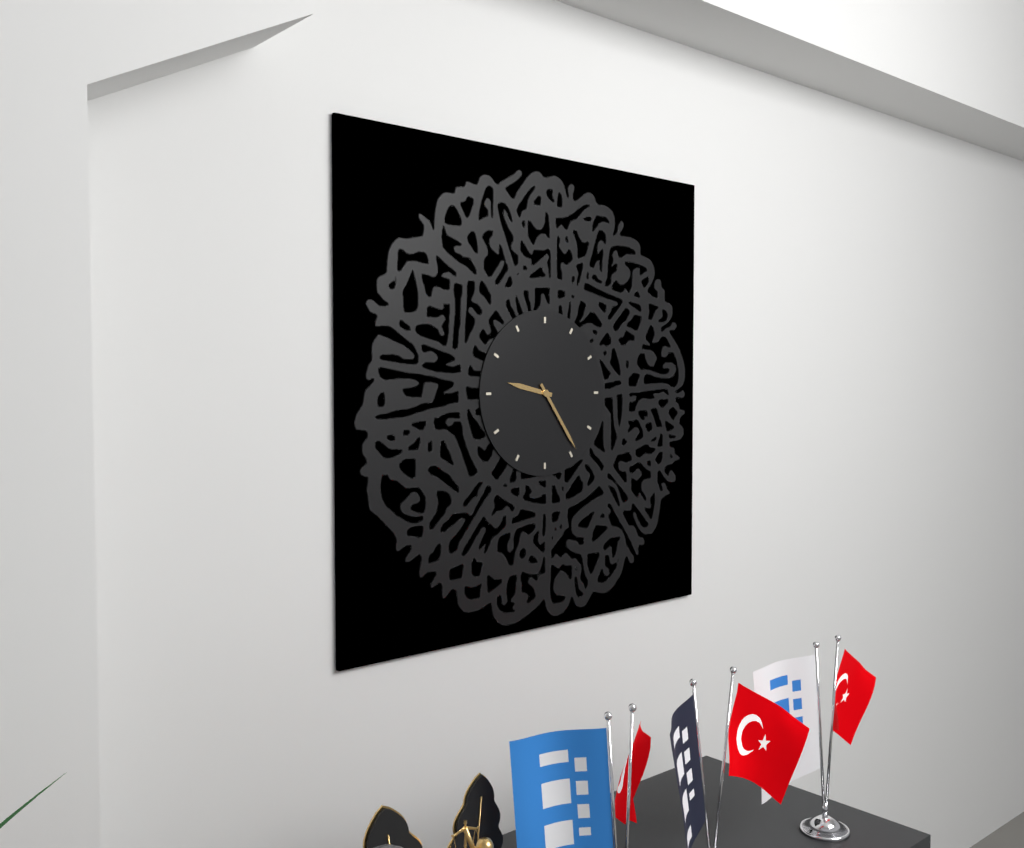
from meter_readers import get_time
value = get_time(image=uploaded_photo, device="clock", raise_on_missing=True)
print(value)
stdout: 9:24
